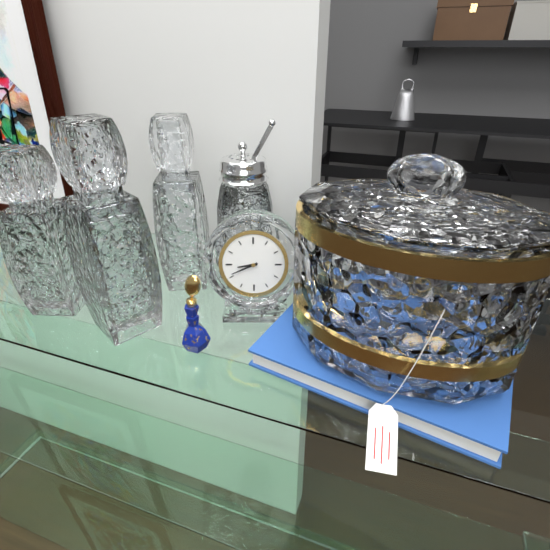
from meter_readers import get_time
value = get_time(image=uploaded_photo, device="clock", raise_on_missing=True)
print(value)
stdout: 8:41
